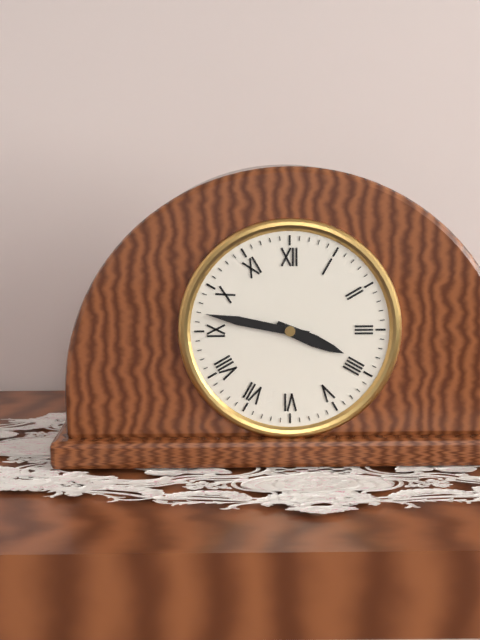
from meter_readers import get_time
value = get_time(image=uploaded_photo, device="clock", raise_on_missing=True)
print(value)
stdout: 3:47
